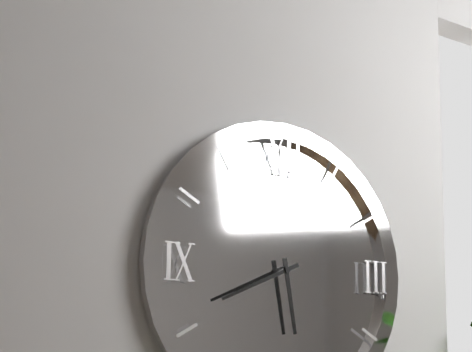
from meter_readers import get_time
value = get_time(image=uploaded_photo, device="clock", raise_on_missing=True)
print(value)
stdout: 5:41
